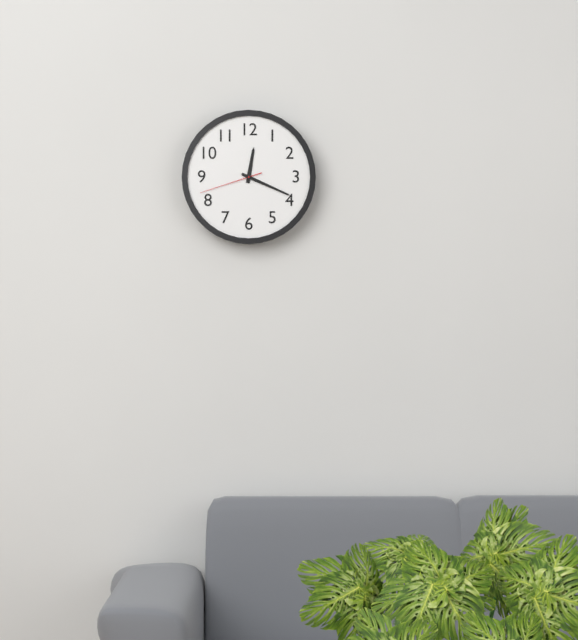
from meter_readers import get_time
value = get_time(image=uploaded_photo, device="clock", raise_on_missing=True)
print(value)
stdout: 12:19:42
